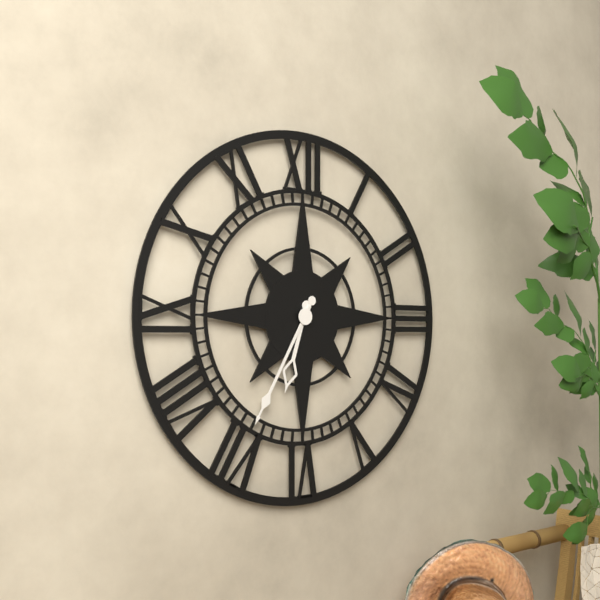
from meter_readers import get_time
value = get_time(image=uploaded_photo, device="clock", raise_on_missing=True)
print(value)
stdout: 6:35
